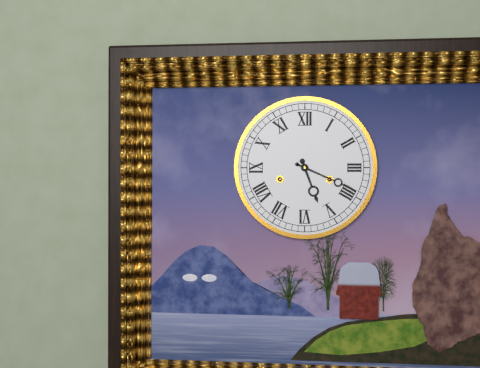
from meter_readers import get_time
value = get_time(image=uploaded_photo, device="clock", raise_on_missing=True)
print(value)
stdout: 5:19
